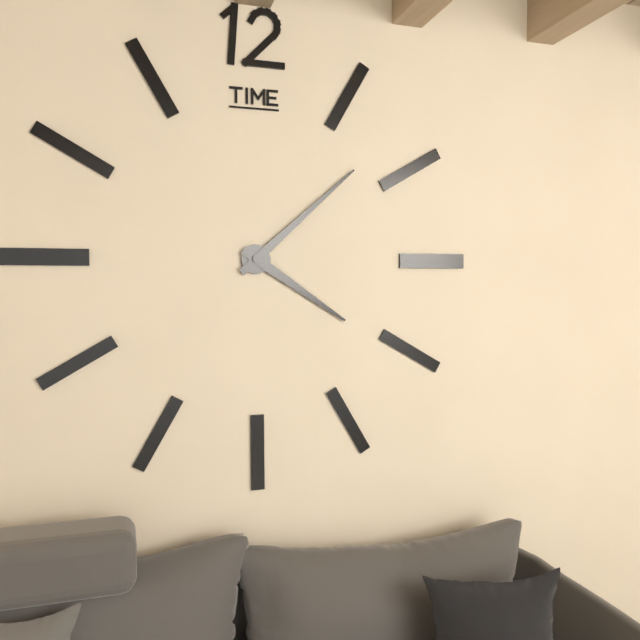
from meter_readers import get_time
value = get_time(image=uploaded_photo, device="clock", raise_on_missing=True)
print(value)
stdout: 4:08
